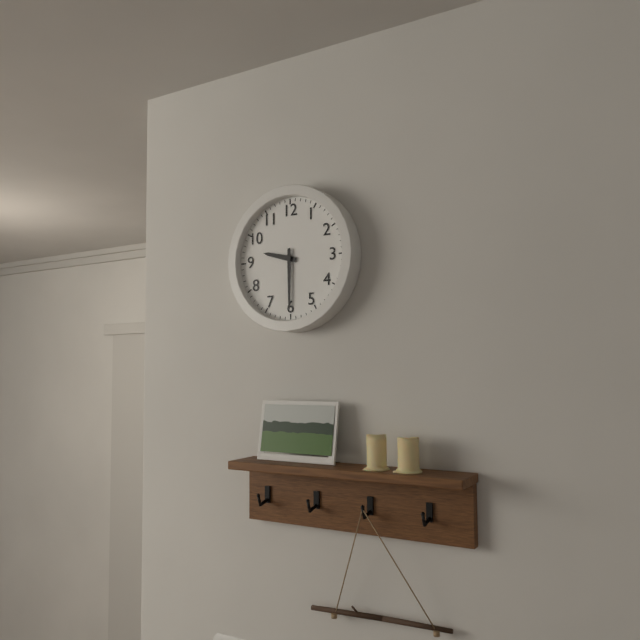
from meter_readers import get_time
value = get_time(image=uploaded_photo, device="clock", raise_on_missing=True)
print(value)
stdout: 9:30
